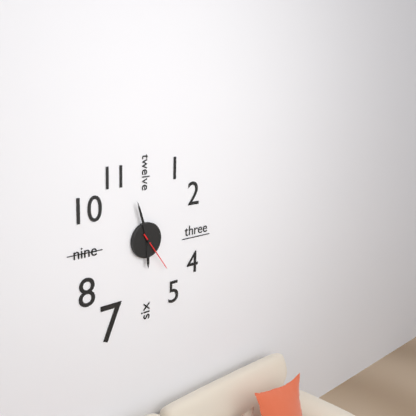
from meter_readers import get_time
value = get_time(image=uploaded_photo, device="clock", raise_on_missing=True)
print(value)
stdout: 5:57
